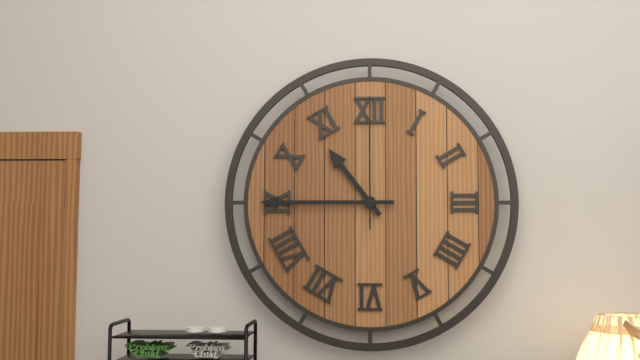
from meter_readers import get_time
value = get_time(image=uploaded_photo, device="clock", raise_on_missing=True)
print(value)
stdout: 10:45:00
